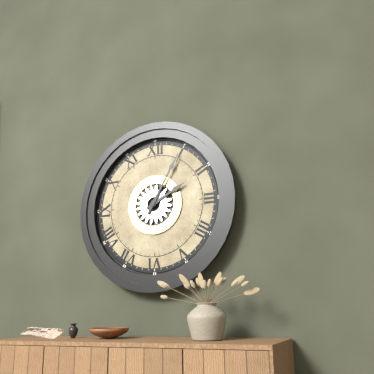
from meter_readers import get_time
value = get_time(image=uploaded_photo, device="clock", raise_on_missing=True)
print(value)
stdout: 2:05
